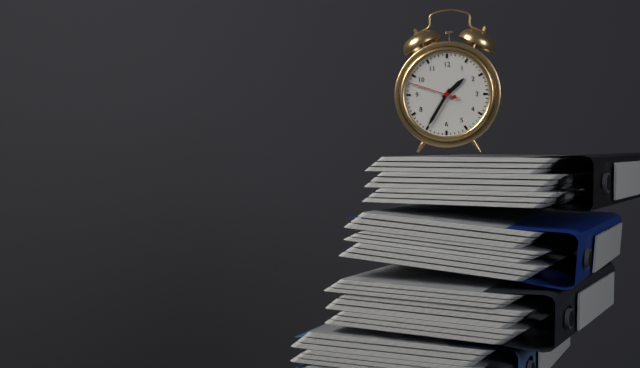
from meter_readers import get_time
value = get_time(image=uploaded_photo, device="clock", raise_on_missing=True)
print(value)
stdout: 1:35
